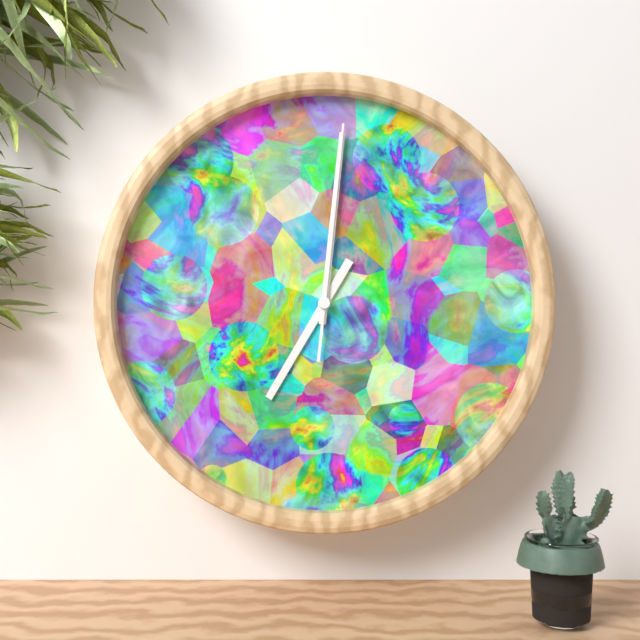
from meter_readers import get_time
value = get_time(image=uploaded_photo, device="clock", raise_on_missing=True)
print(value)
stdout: 7:01:01
